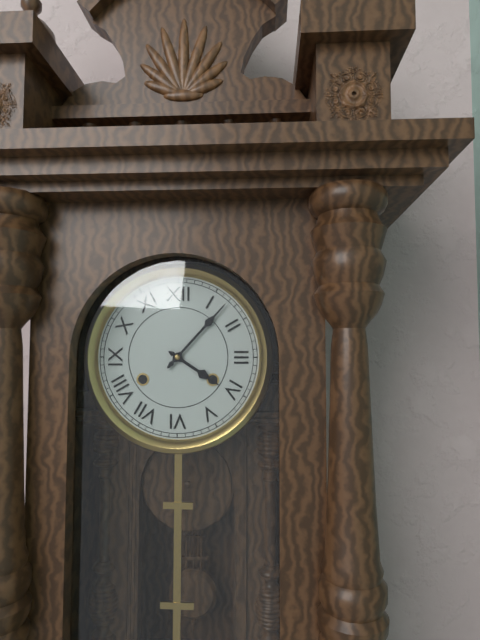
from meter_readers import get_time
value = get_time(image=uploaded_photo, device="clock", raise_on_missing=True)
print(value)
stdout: 4:07
